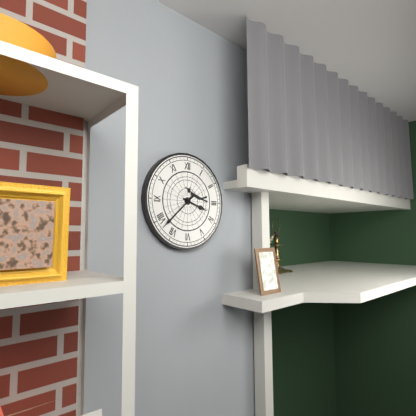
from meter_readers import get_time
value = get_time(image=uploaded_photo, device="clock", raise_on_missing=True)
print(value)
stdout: 3:38
